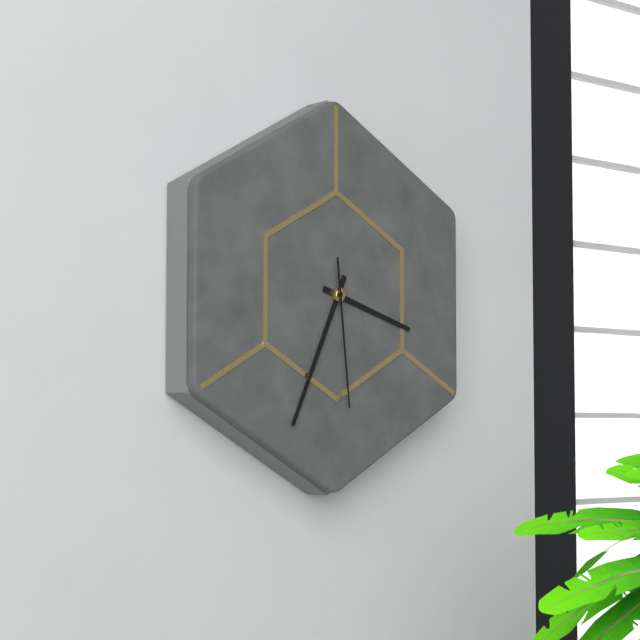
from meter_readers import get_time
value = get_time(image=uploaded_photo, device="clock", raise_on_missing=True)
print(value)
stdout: 3:34:29
